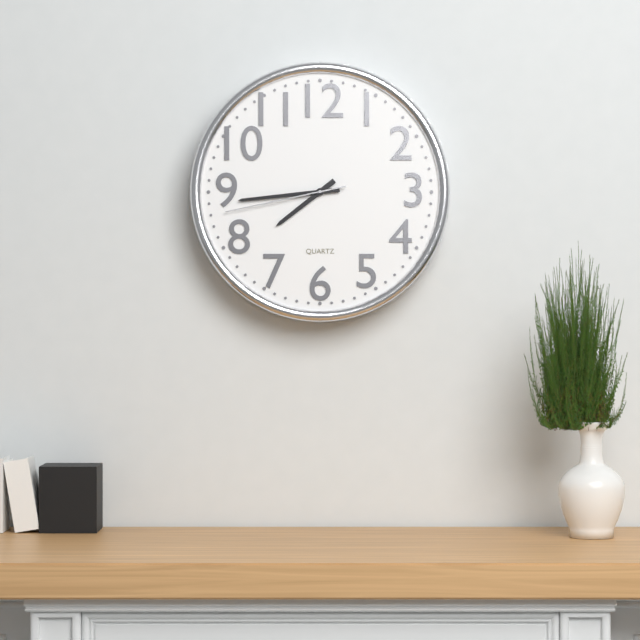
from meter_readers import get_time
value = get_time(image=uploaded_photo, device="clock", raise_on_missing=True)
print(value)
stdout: 7:44:43
